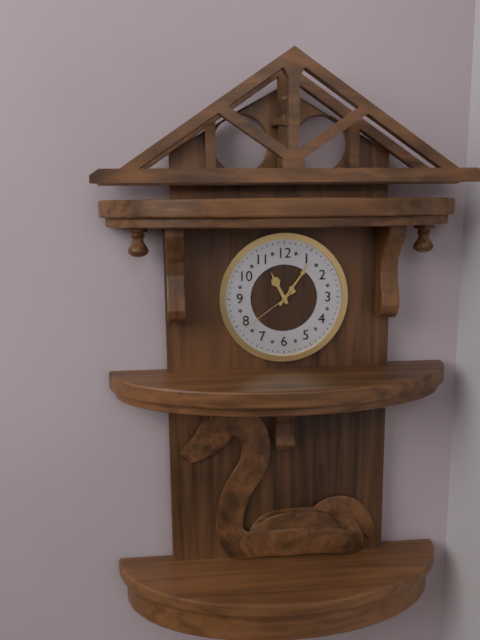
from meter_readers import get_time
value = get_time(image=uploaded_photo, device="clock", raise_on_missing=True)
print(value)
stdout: 11:06:39
